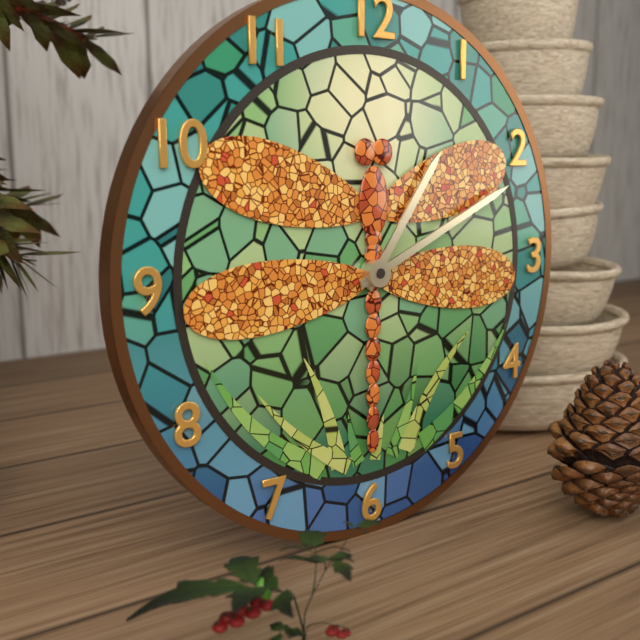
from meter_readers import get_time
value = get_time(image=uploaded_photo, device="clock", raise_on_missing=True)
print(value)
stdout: 1:11
